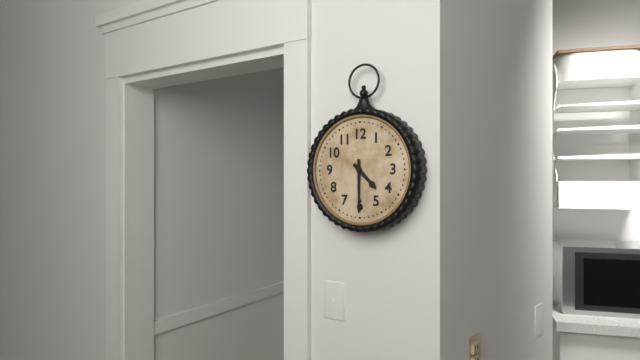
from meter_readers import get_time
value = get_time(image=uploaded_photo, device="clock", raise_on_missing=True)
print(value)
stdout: 4:30
